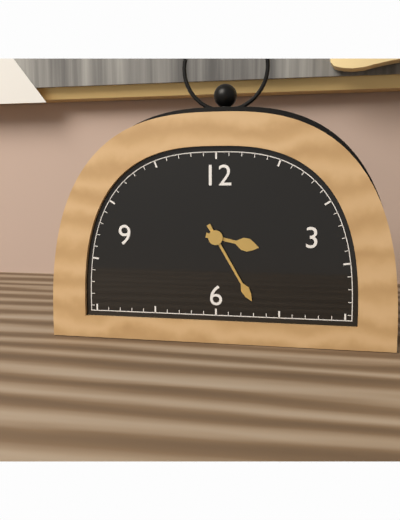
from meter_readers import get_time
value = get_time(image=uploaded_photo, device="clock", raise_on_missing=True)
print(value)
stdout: 3:25
